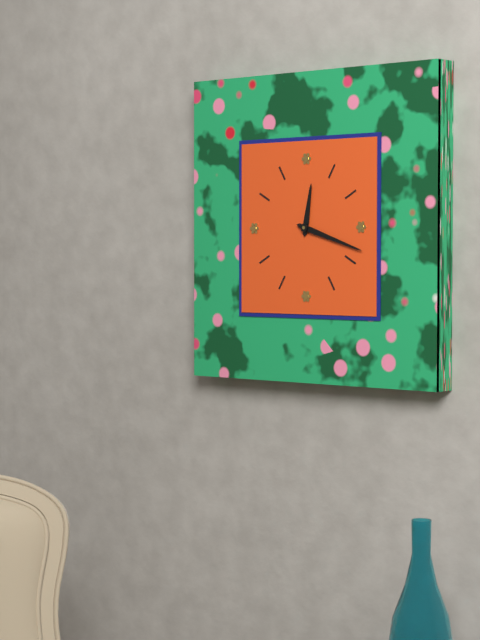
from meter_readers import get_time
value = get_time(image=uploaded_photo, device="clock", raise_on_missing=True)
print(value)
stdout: 12:18
